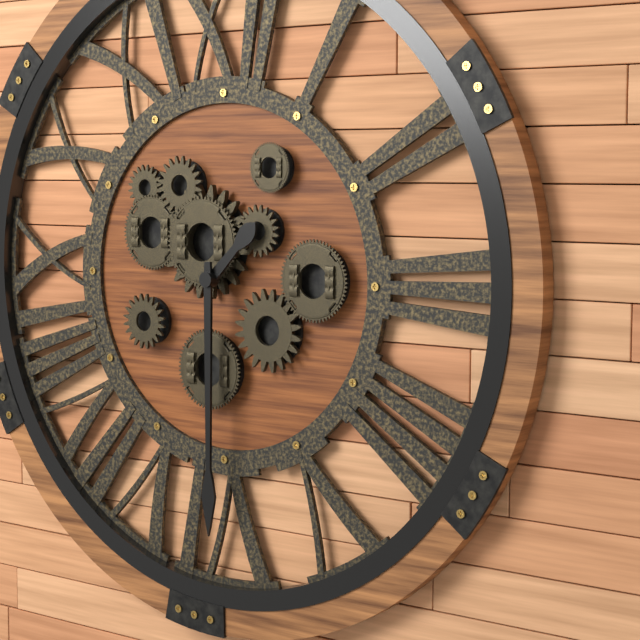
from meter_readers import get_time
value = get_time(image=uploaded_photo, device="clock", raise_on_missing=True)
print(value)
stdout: 1:30
